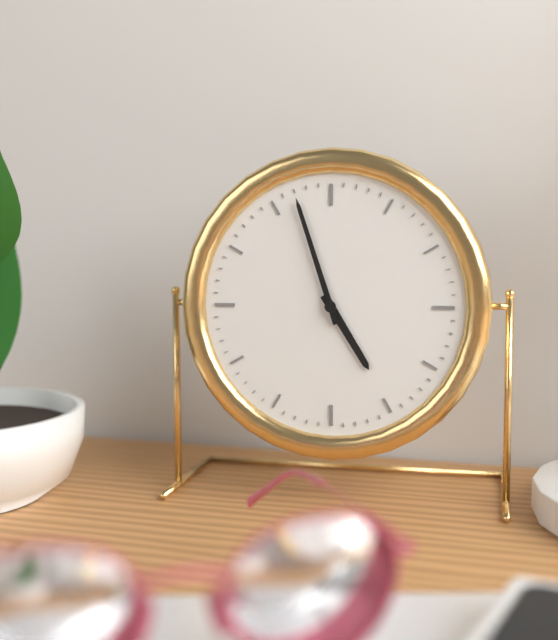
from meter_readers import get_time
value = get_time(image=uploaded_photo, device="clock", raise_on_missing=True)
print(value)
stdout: 4:57
